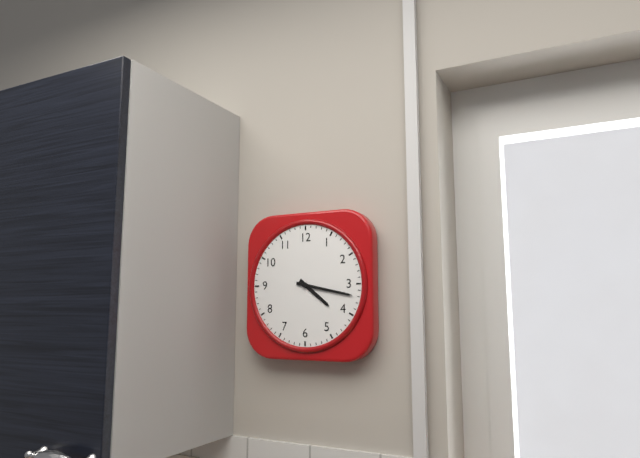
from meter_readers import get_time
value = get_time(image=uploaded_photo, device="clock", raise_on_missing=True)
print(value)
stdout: 4:17
